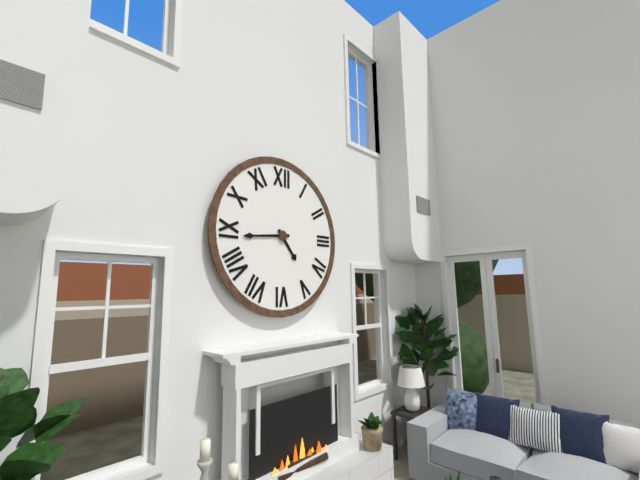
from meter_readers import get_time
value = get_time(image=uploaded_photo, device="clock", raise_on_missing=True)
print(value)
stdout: 4:44
